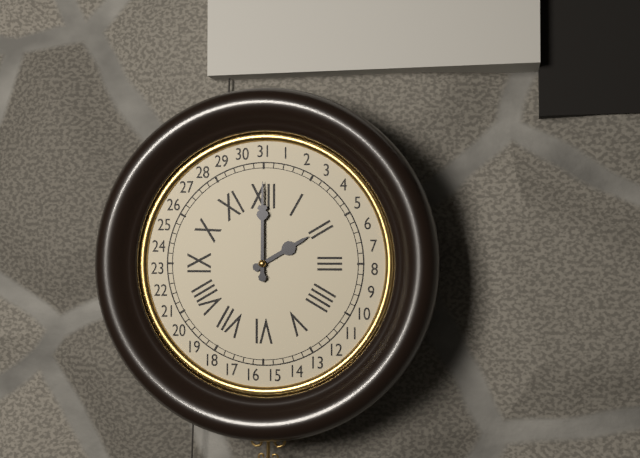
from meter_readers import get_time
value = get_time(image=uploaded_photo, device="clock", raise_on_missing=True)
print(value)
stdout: 2:00
